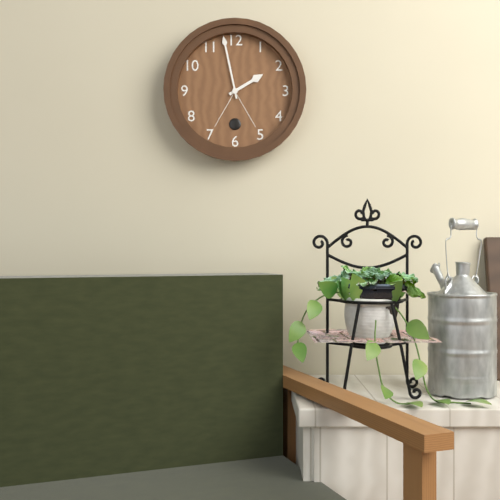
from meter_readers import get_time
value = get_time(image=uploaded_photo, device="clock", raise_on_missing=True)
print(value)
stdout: 1:58
